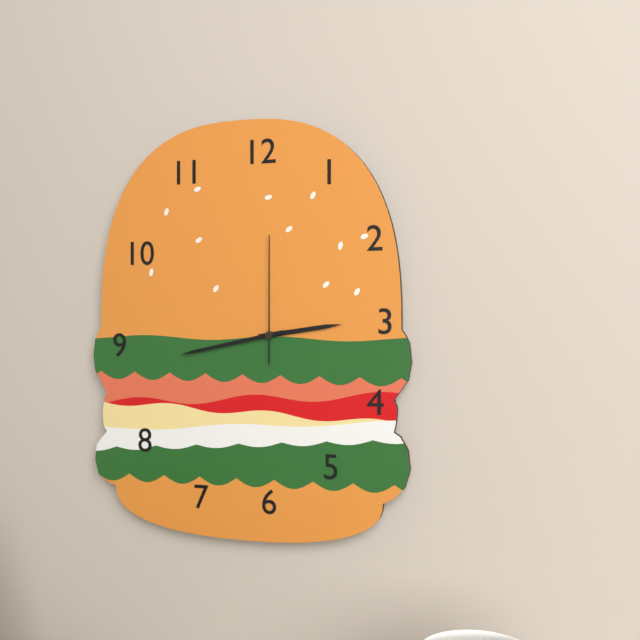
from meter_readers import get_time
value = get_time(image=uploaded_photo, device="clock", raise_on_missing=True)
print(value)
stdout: 2:43:00
